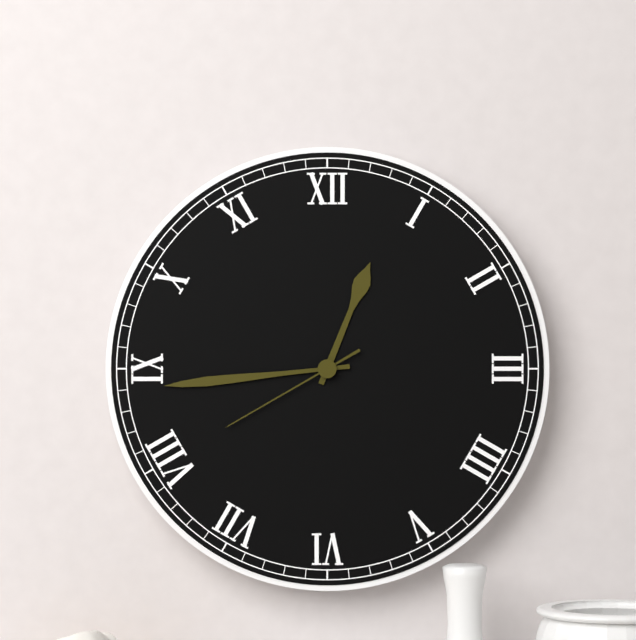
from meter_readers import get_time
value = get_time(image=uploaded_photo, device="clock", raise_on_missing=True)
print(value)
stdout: 12:44:40
